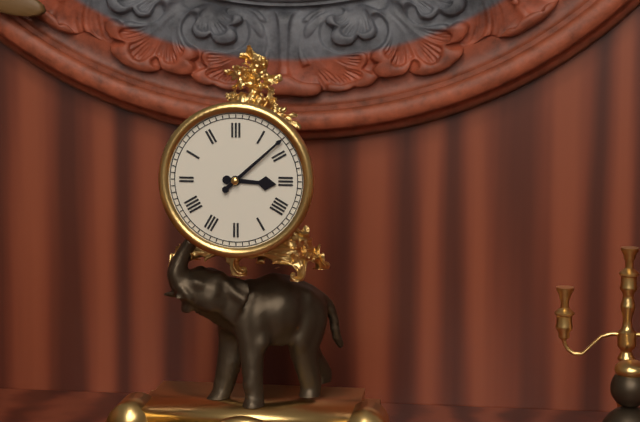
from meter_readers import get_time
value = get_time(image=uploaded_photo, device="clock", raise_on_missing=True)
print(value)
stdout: 3:08
